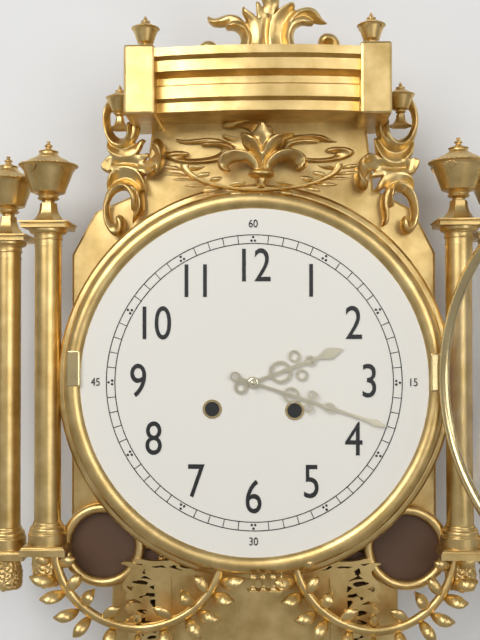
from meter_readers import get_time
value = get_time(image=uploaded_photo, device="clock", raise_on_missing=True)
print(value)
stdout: 2:18
